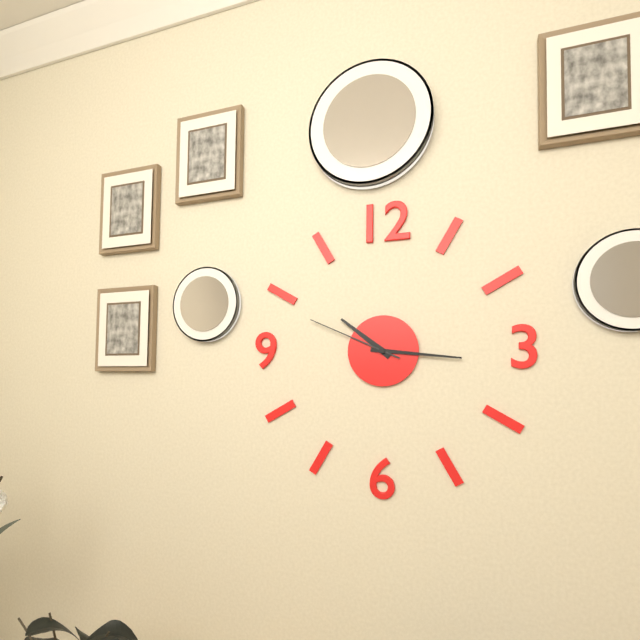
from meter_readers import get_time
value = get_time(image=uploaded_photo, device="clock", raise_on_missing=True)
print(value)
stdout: 10:16:49
